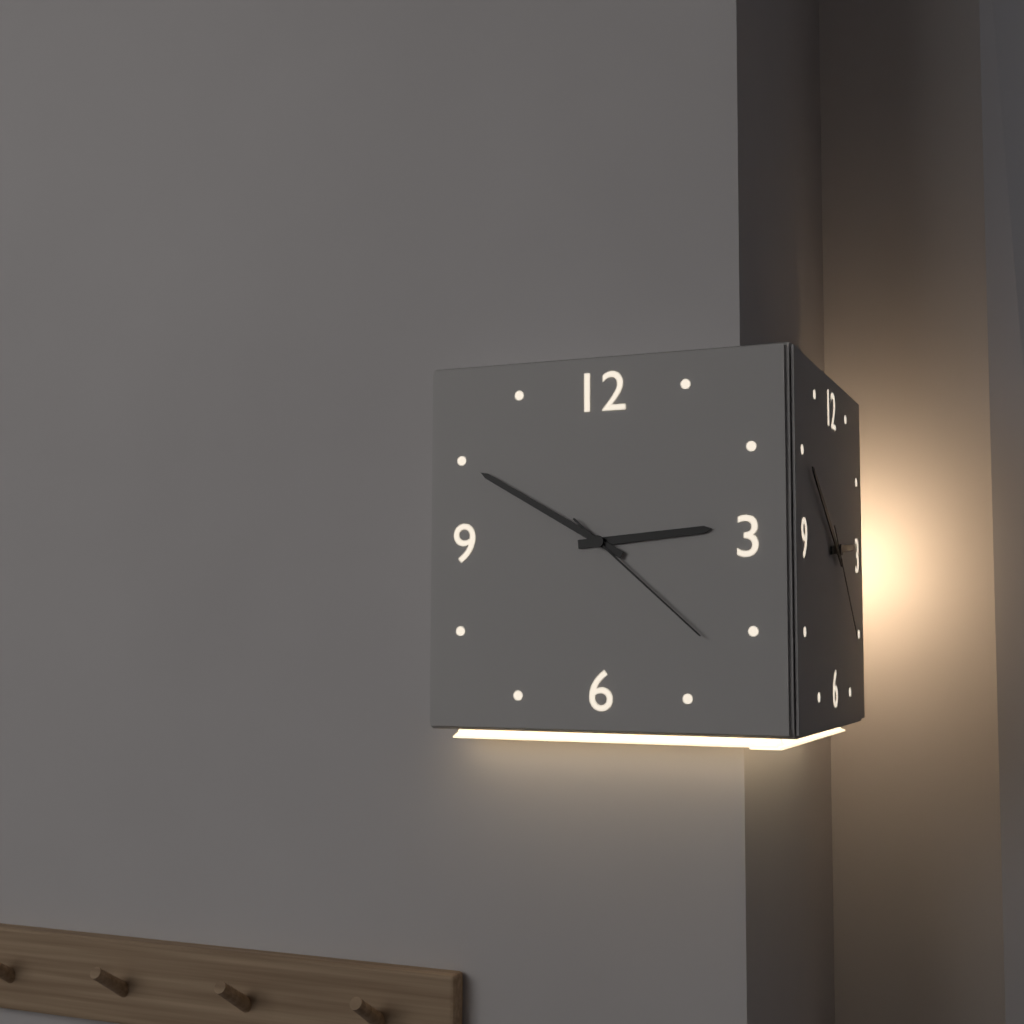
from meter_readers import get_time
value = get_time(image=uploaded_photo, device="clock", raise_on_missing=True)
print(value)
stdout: 2:50:22
